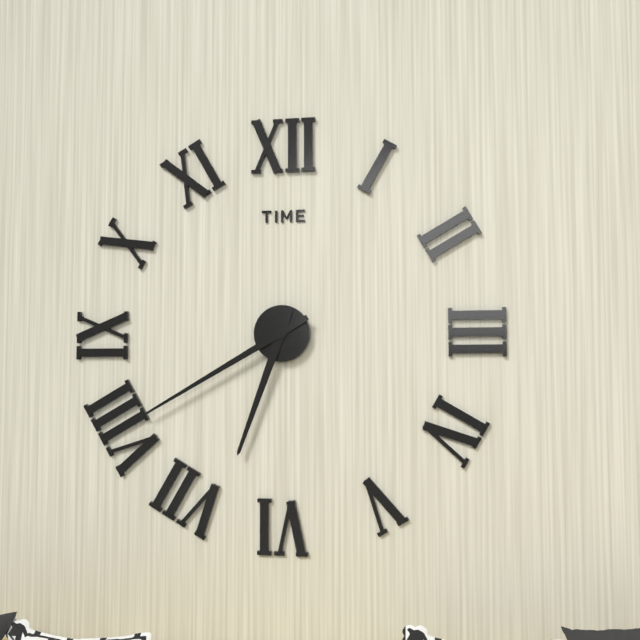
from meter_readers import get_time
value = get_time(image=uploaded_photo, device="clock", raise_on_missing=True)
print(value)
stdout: 6:40
